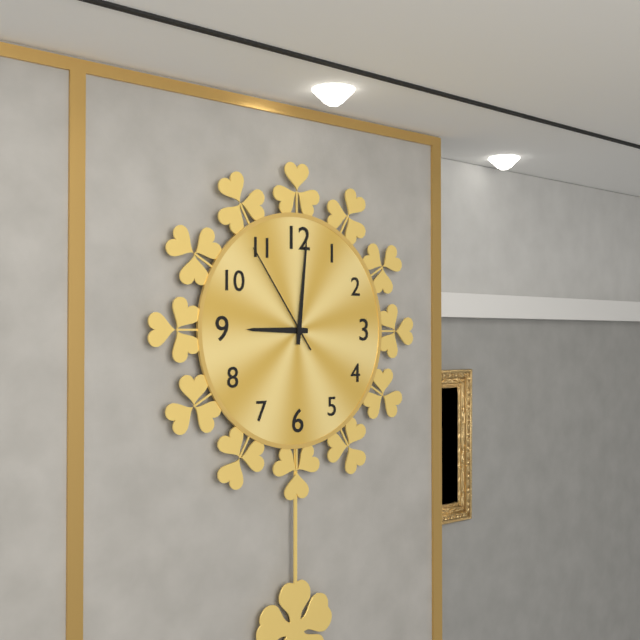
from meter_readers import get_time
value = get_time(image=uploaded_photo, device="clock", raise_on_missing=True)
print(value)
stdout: 9:01:54
